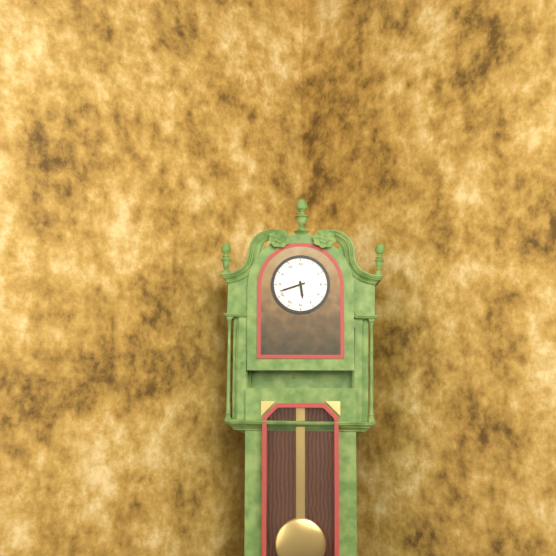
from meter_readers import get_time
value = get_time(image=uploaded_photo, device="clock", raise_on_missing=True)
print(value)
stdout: 5:42
